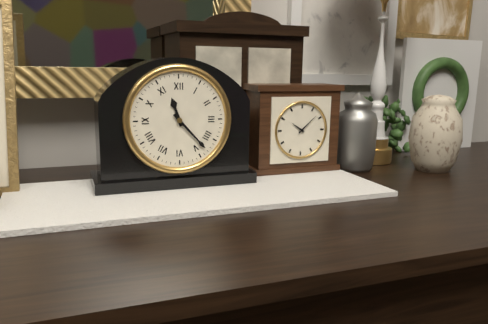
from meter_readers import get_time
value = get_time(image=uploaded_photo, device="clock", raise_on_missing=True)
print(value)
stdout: 11:23
